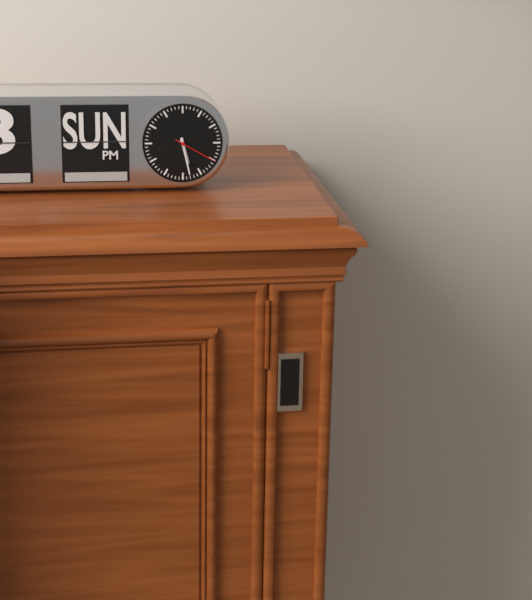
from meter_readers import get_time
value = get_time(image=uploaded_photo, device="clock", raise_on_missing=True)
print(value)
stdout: 5:28
